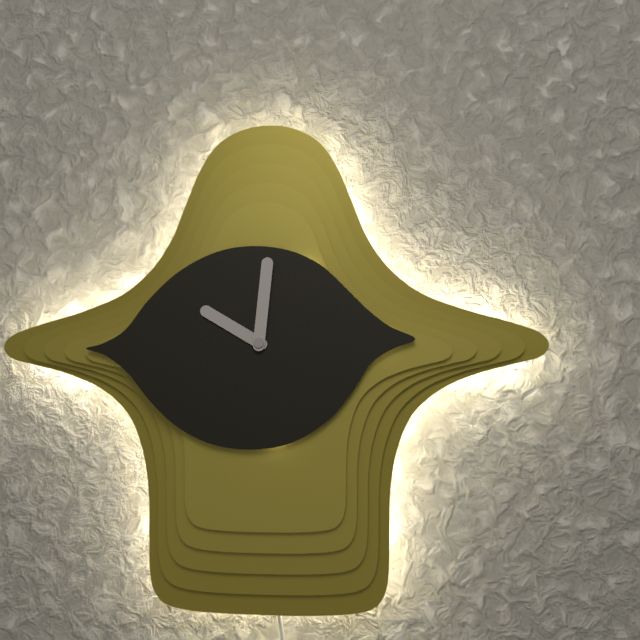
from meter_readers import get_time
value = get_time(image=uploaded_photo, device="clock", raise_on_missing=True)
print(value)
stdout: 10:01
